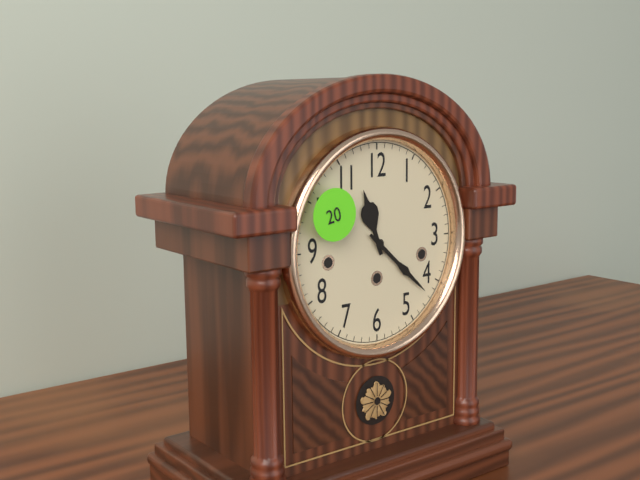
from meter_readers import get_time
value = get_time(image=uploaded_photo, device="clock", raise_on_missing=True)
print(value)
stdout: 11:22
